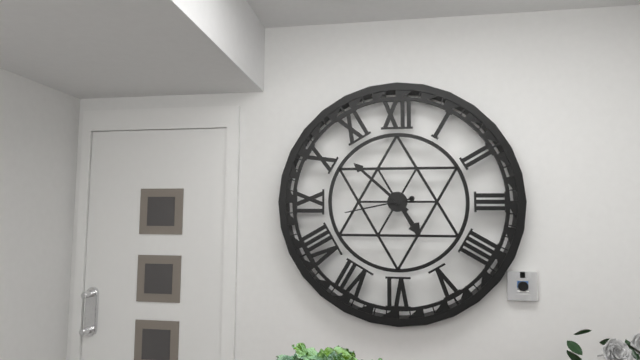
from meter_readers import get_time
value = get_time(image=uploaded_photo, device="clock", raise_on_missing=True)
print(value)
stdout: 4:52:43
